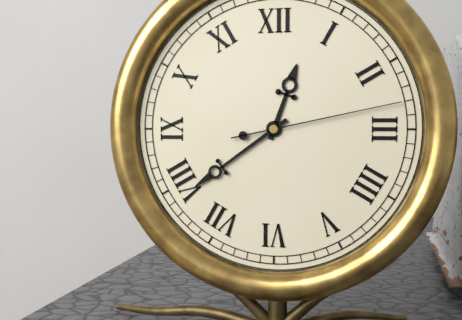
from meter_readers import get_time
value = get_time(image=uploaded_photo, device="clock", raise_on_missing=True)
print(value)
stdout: 12:39:13
